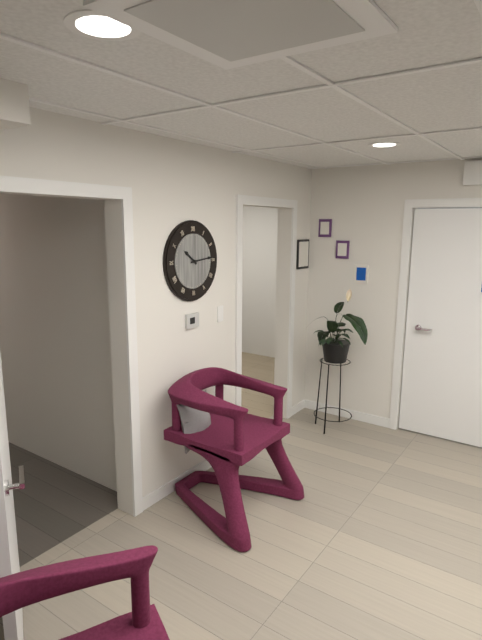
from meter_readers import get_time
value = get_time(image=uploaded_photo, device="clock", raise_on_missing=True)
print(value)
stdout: 10:14
